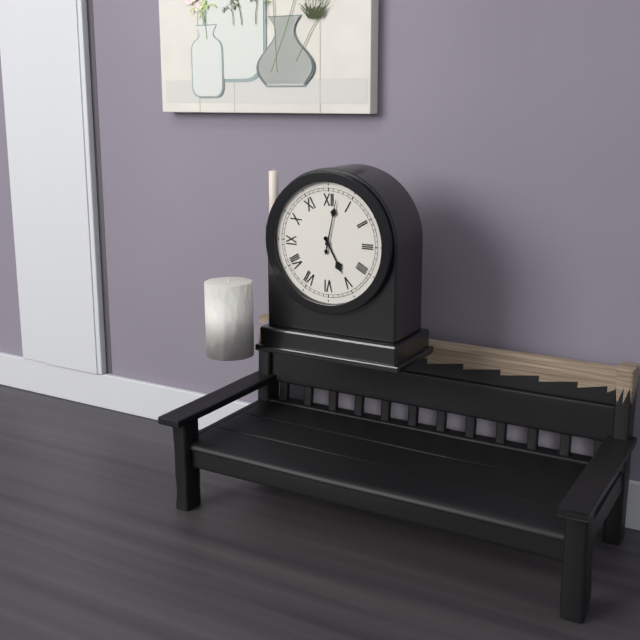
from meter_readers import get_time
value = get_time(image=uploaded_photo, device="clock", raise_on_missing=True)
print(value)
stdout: 5:02
